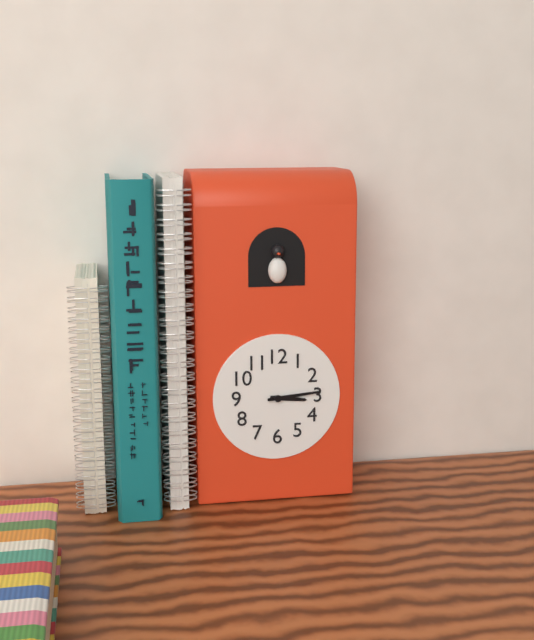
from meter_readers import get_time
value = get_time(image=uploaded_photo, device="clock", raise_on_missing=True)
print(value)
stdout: 3:14
